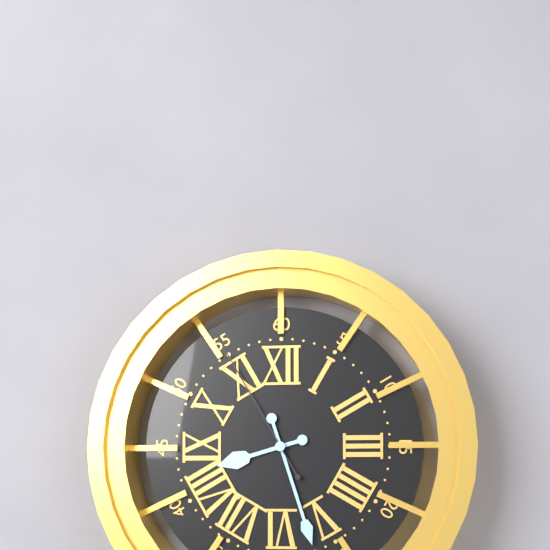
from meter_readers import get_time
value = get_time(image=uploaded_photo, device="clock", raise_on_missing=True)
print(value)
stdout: 8:27:55
